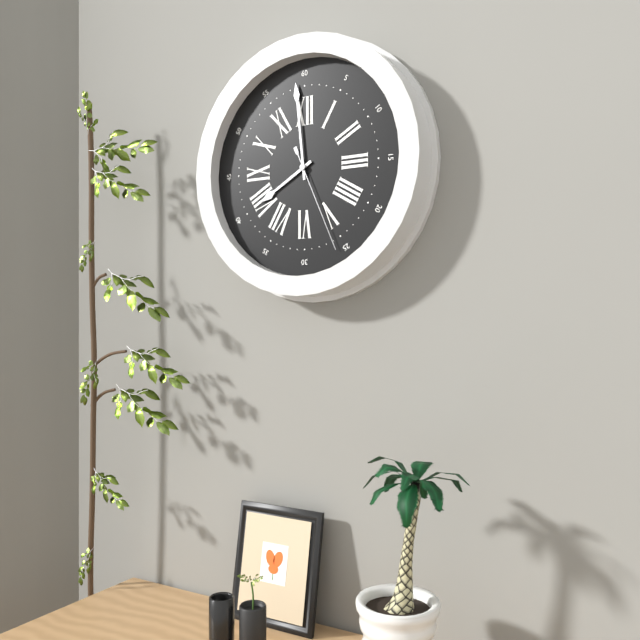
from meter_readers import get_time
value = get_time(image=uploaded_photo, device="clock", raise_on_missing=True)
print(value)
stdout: 7:59:26
